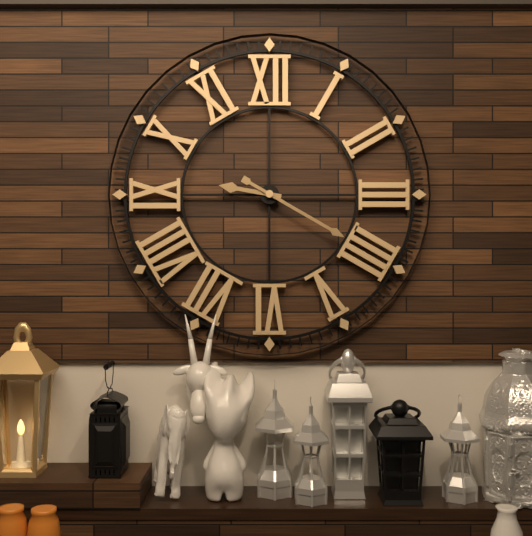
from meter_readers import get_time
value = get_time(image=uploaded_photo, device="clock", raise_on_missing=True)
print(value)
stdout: 9:20
